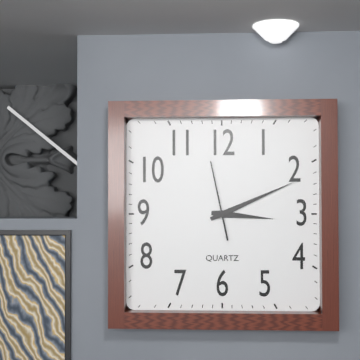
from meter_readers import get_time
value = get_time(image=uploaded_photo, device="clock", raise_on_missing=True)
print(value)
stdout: 3:11:58
